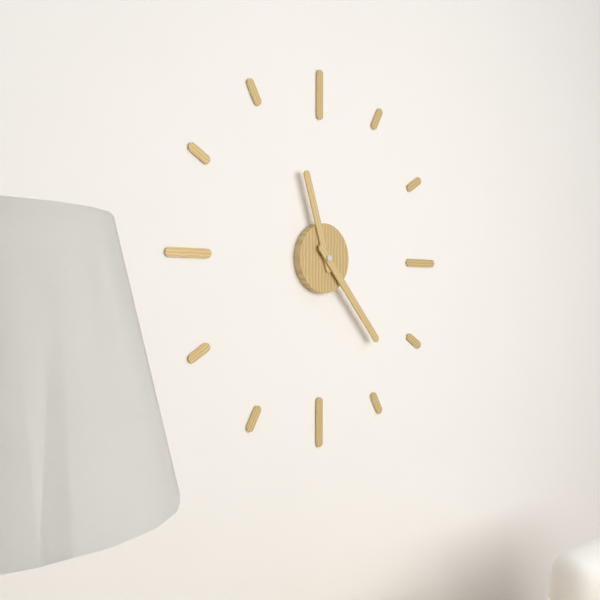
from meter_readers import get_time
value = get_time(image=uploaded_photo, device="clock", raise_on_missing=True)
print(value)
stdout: 11:23
